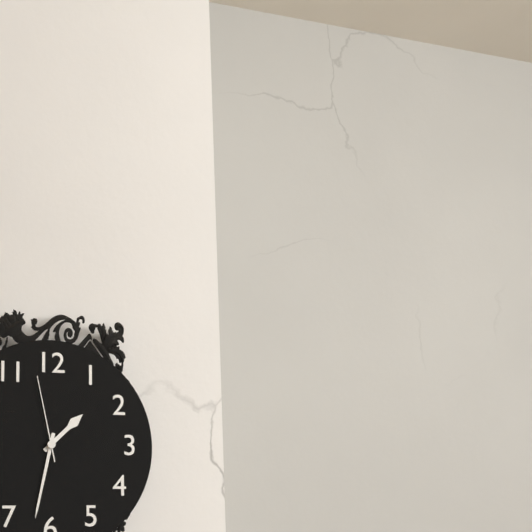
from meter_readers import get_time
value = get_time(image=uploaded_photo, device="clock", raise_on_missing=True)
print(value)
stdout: 1:32:58
